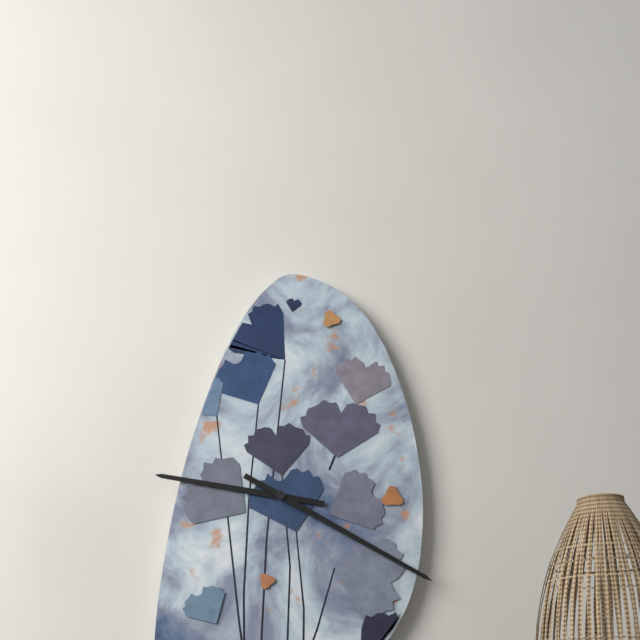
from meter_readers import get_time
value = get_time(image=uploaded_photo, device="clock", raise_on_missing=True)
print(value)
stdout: 9:20
